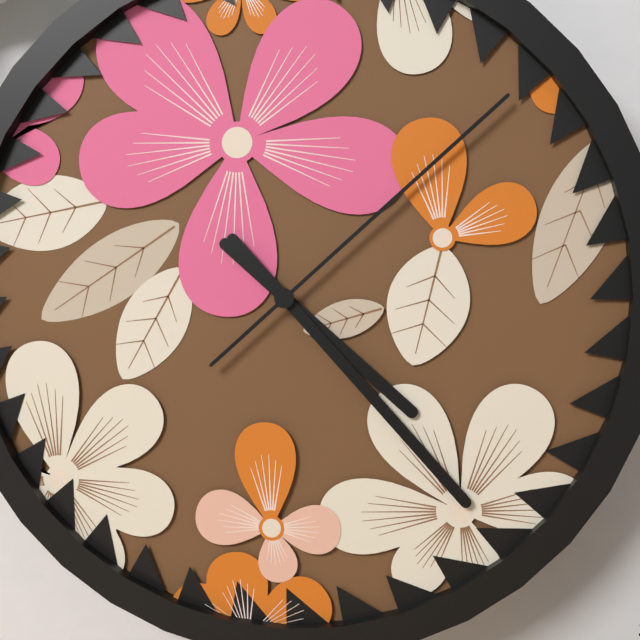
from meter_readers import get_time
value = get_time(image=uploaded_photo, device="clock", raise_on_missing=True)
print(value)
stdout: 4:23:08
